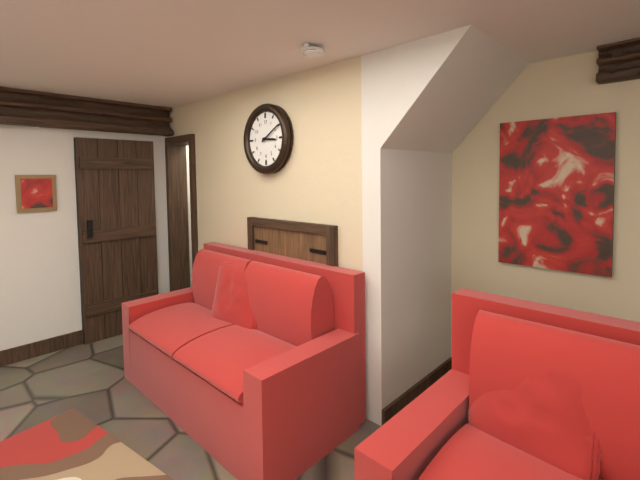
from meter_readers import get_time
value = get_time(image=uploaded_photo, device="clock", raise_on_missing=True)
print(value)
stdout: 3:10
